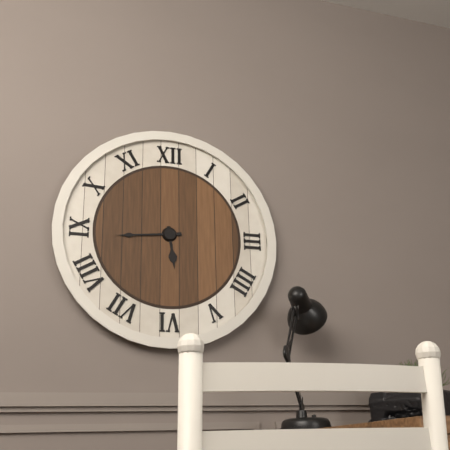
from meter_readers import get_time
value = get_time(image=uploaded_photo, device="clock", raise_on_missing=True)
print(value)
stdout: 5:44
